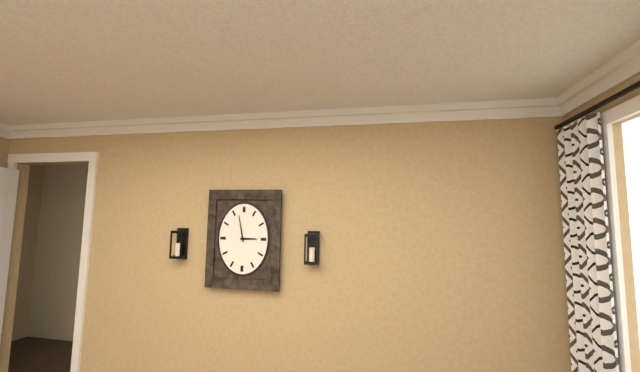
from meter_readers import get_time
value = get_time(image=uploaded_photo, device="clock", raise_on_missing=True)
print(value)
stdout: 2:58
